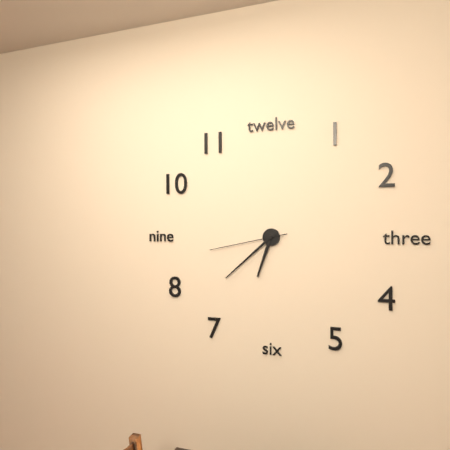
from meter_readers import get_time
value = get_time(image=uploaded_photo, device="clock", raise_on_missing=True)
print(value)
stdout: 6:38:43
